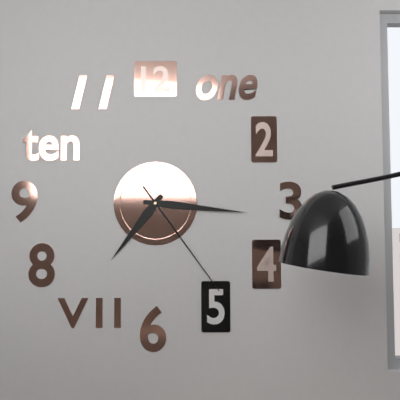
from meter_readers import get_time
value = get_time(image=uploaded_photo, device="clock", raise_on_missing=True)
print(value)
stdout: 7:16:24
